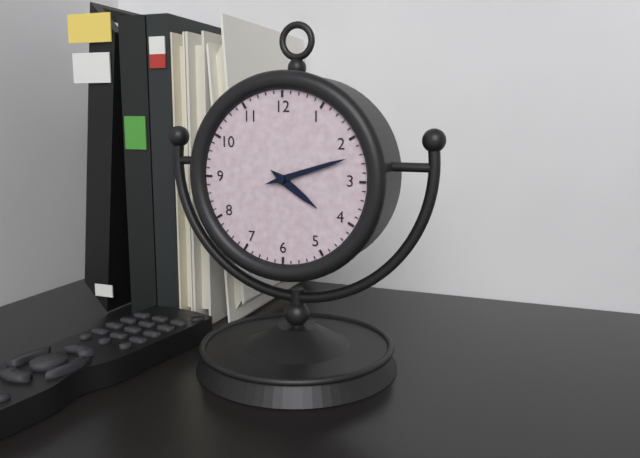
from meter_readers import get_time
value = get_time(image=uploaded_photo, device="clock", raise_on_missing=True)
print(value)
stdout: 4:12
